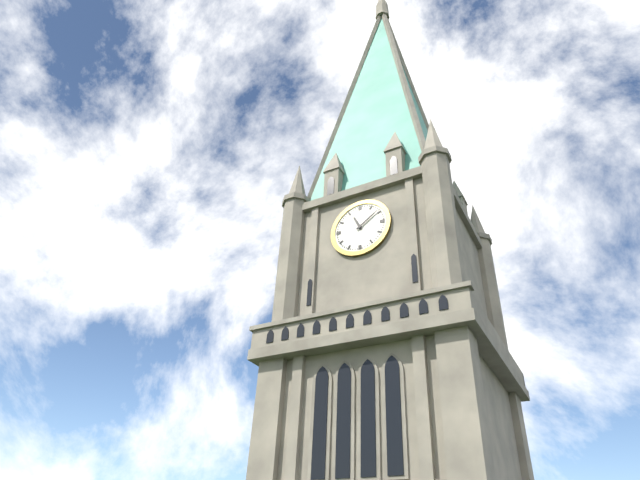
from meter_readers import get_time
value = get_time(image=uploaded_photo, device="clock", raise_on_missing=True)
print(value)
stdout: 11:09
